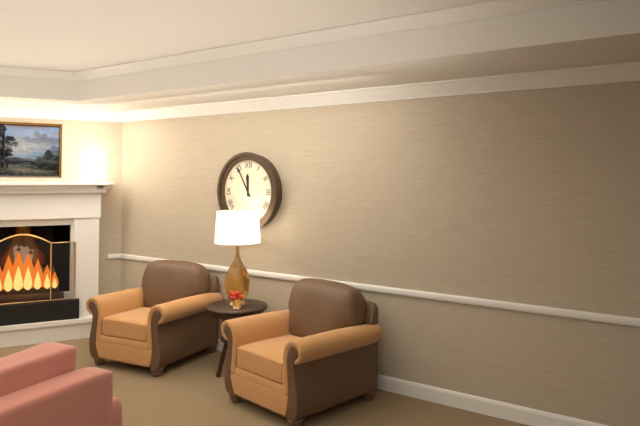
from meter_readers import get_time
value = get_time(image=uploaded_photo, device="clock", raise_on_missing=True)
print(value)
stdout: 11:55
